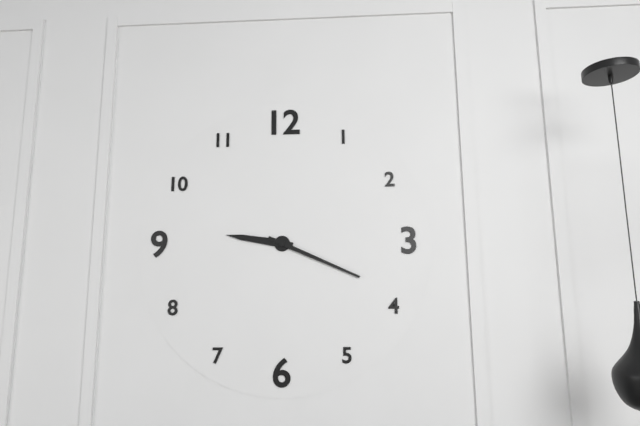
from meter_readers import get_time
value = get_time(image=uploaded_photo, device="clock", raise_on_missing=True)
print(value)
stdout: 9:19
